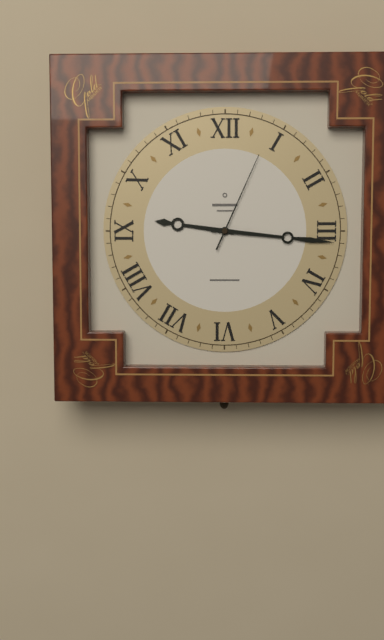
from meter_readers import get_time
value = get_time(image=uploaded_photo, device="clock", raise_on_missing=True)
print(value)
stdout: 9:16:04
